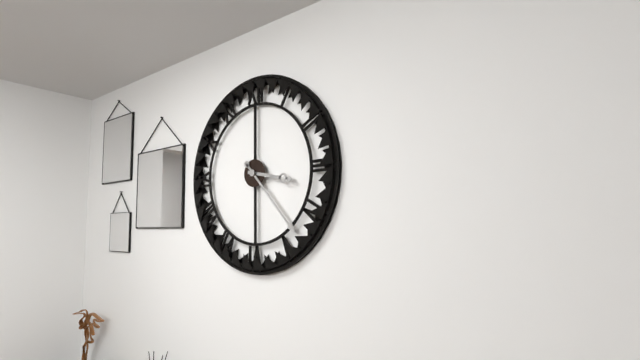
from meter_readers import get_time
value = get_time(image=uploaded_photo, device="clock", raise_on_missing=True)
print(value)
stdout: 3:23
